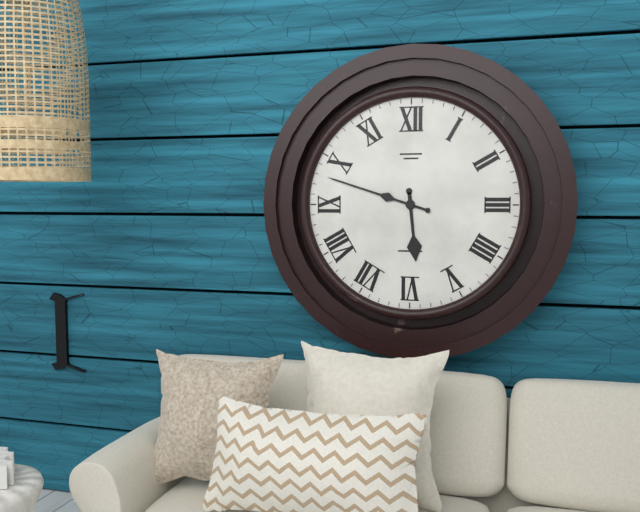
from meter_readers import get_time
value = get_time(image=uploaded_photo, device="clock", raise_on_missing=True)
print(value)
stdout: 5:48
